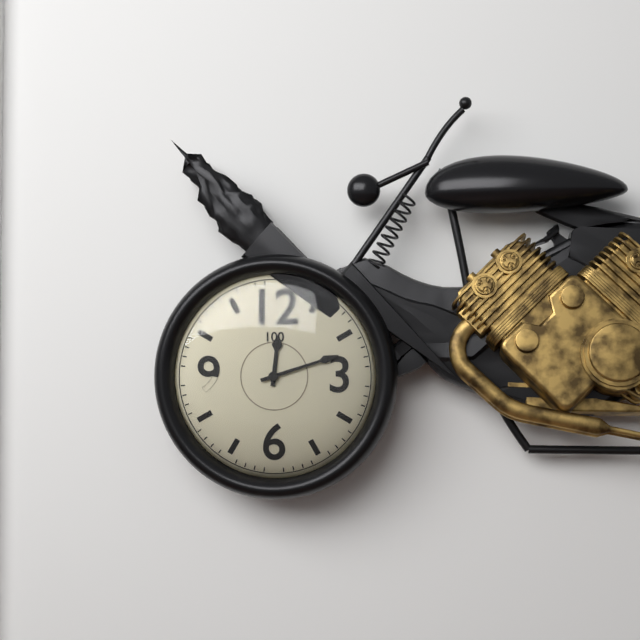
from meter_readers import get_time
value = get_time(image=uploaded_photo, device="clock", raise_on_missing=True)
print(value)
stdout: 12:12
